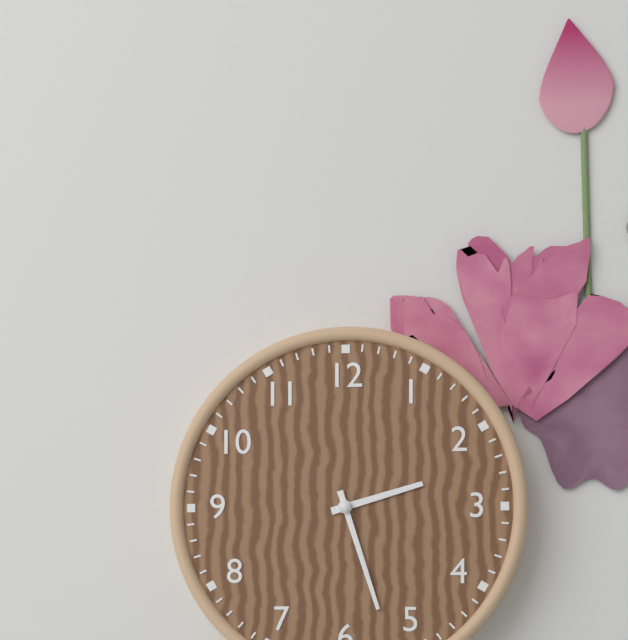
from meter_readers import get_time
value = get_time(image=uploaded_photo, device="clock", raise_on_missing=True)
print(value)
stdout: 2:27
